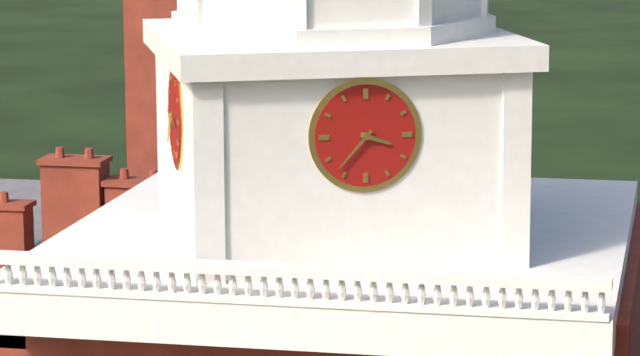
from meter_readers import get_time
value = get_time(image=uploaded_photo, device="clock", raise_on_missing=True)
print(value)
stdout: 3:37
